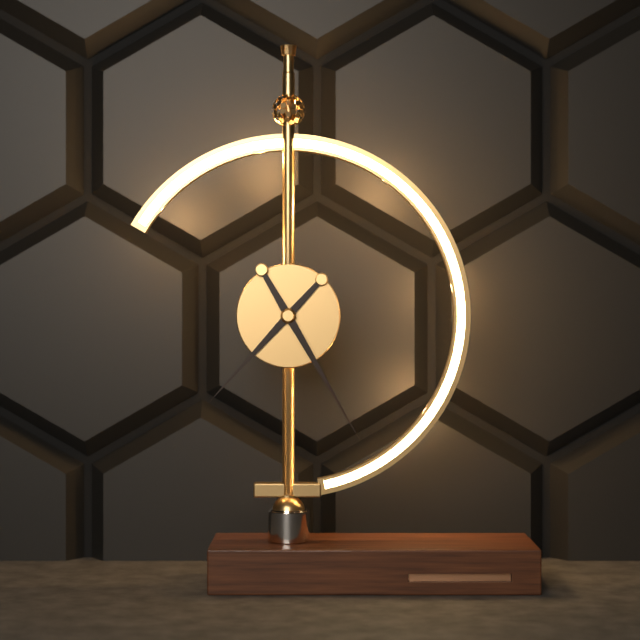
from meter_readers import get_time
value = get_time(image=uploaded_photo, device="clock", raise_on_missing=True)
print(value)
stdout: 7:25
